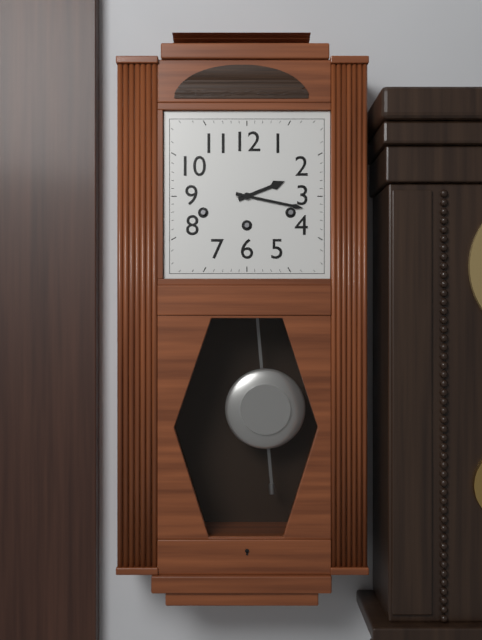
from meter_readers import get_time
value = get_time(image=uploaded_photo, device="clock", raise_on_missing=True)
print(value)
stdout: 2:17
